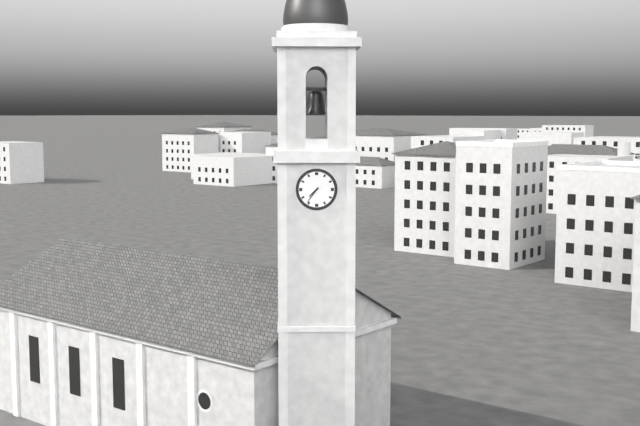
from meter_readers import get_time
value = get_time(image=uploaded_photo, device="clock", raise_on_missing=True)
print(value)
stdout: 7:36
